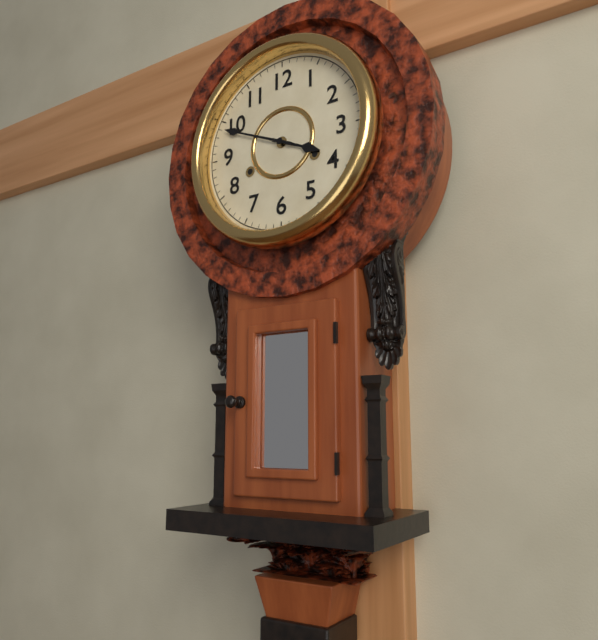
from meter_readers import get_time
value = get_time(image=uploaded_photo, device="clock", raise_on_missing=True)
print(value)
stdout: 3:49
